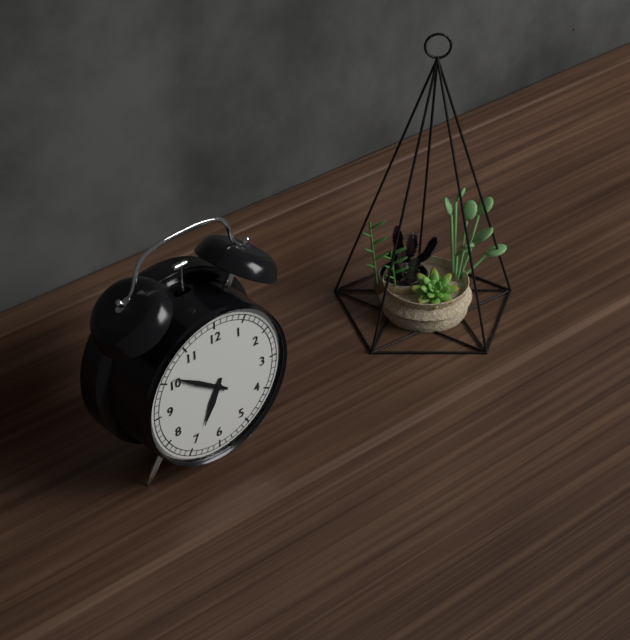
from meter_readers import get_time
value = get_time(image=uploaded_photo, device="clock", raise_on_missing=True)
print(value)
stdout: 6:51
